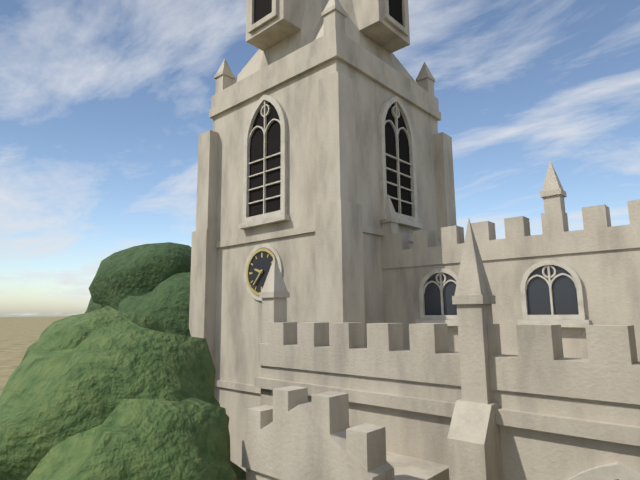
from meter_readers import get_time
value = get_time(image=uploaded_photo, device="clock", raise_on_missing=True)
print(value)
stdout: 9:37
